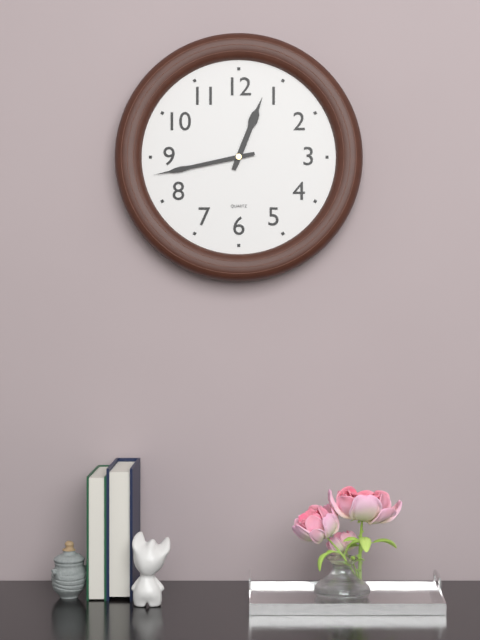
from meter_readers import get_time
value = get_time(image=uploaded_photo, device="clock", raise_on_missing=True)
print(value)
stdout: 12:43
